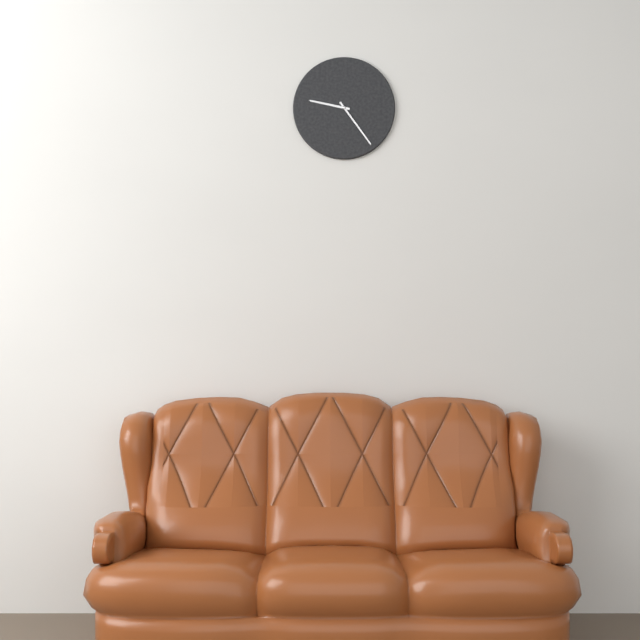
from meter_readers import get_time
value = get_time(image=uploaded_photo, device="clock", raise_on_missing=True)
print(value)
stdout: 9:24
